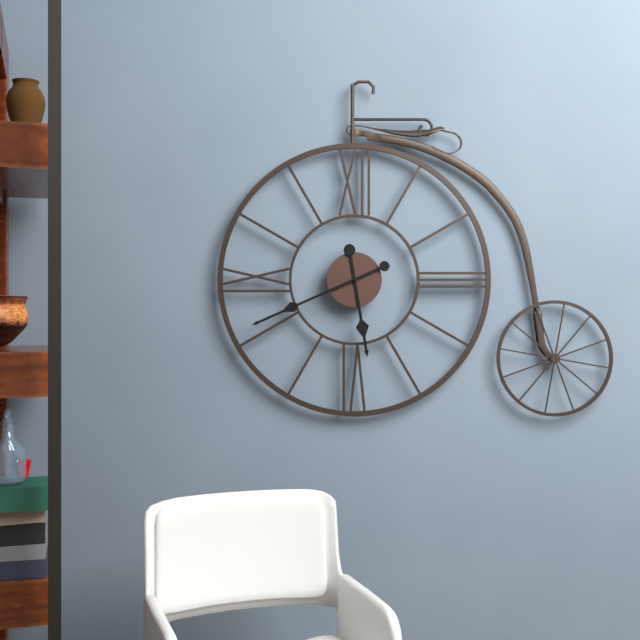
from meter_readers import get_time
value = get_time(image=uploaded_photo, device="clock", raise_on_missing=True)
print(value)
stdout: 5:41
